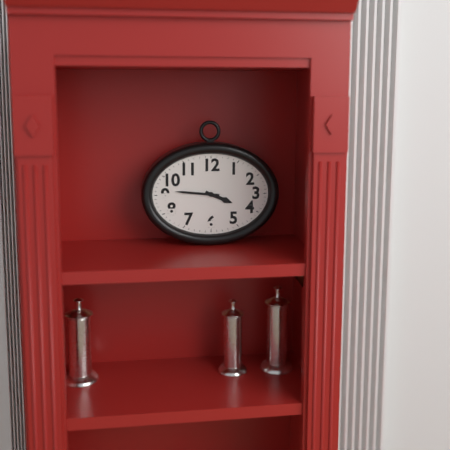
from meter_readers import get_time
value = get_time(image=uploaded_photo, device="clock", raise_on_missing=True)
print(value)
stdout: 3:46
